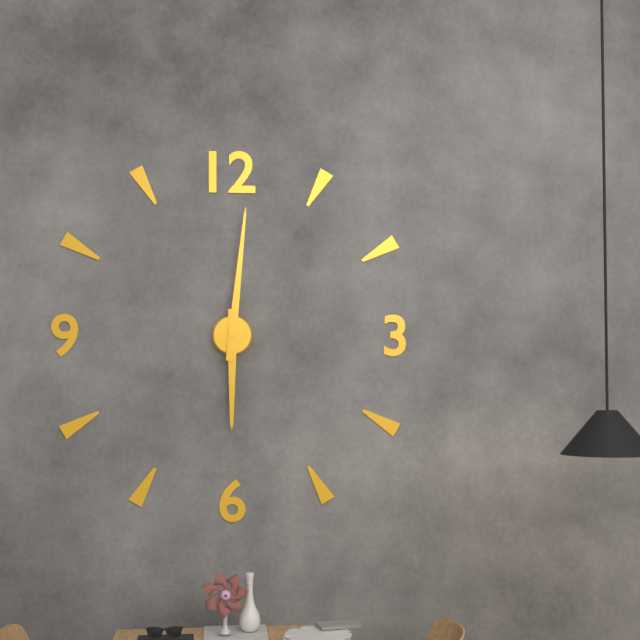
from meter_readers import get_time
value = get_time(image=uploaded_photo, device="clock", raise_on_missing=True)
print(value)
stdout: 6:01
